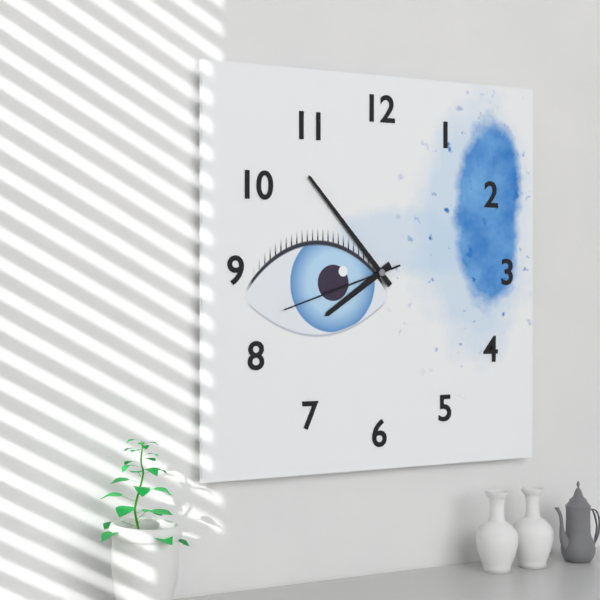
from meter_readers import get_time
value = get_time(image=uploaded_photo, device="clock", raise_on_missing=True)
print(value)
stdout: 7:53:42
